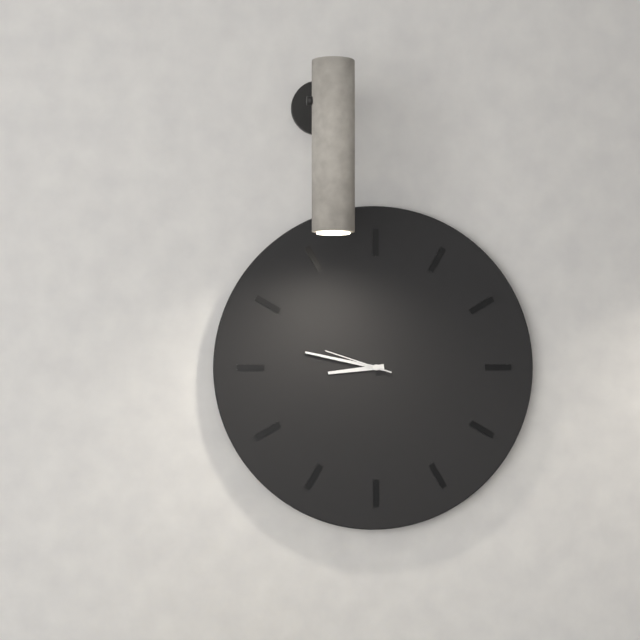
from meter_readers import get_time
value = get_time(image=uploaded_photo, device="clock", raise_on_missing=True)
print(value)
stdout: 8:47:48
